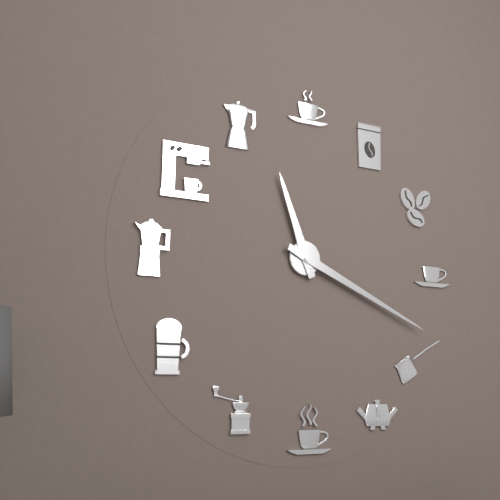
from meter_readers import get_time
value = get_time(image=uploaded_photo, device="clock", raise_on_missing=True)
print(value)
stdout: 11:19
